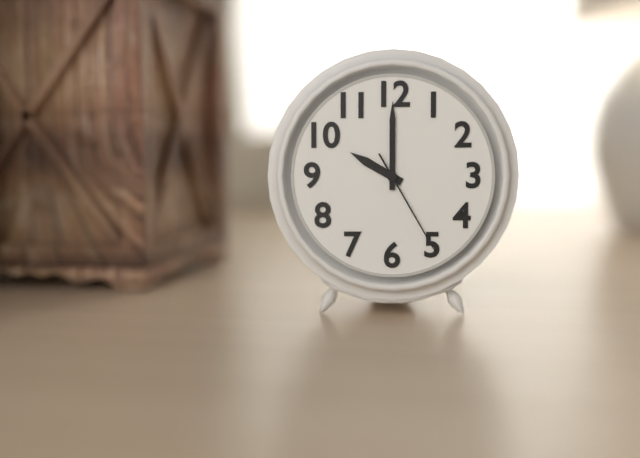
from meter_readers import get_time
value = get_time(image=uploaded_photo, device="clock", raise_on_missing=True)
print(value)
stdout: 10:00:25
